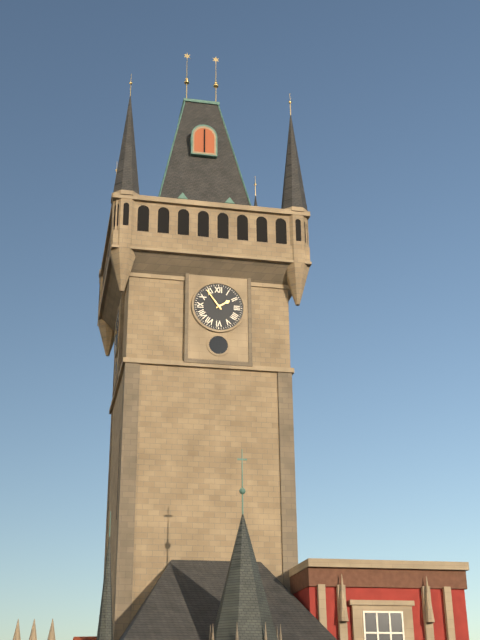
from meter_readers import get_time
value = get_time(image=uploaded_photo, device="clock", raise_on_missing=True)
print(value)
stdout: 1:54
